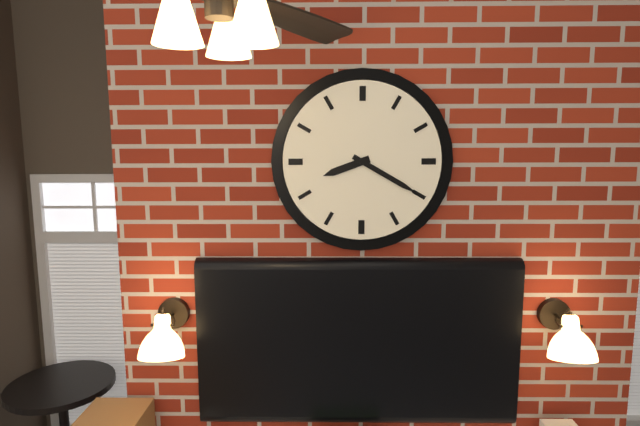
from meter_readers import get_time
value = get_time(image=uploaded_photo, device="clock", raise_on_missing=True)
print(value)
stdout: 8:20
